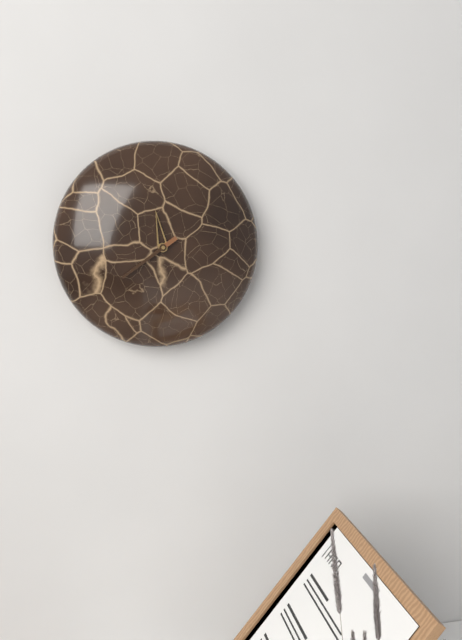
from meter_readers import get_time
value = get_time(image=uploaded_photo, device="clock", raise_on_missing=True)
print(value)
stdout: 11:39
